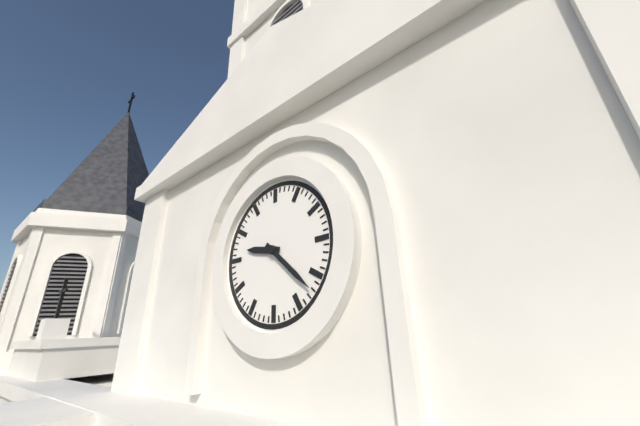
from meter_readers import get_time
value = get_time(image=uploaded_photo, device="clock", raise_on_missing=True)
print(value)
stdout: 9:22
